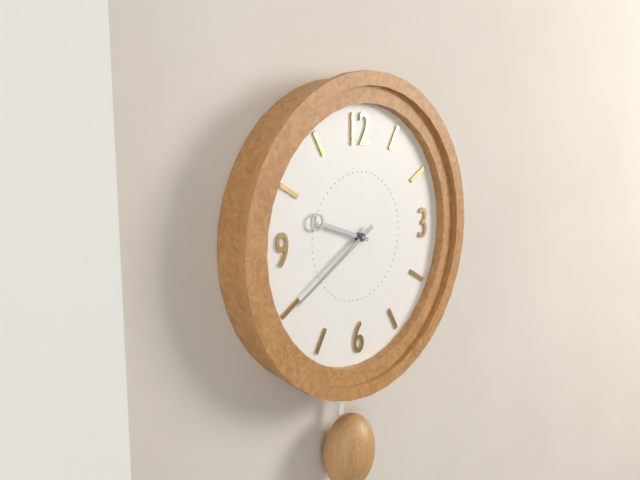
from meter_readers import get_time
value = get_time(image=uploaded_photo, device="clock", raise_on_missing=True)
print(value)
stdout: 9:40
